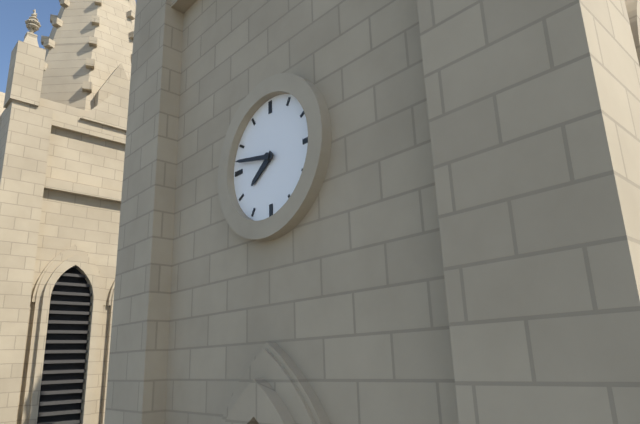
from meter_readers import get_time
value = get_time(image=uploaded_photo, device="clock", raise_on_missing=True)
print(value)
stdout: 7:47
